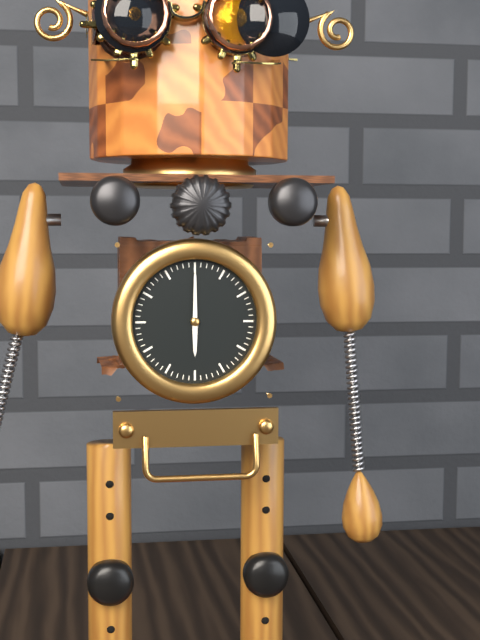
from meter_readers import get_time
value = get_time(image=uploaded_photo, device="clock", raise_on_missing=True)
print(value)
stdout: 6:00
